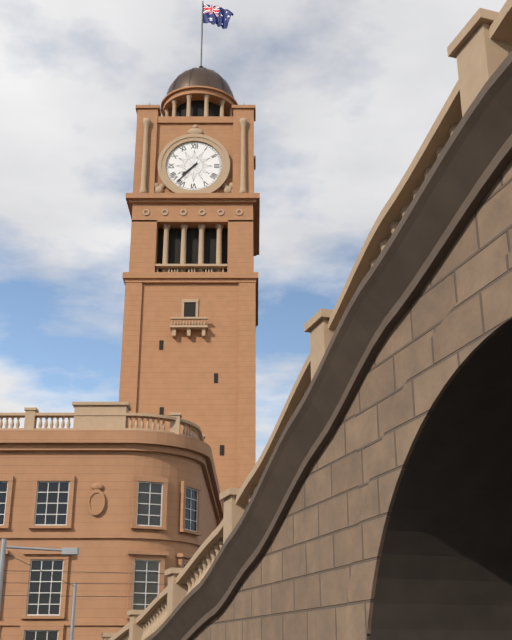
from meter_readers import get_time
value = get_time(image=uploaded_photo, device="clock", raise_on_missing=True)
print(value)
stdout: 7:37
